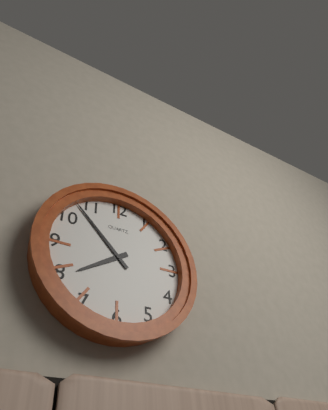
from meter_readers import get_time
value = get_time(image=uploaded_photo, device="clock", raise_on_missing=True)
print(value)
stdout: 7:53
